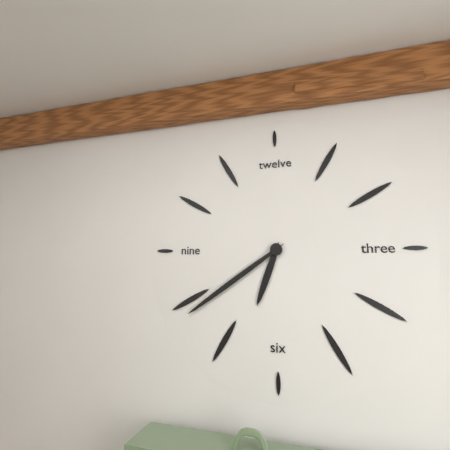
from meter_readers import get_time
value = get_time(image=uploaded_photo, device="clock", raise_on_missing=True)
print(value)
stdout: 6:39
